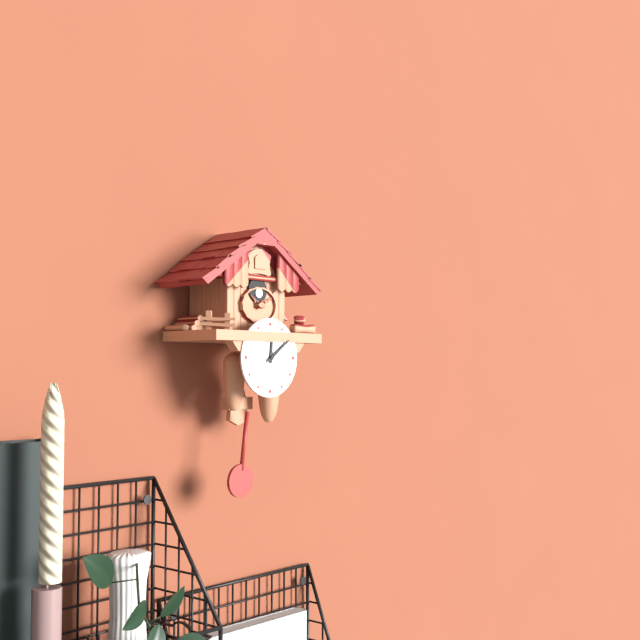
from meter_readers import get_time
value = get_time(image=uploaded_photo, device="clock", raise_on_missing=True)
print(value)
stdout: 12:09
